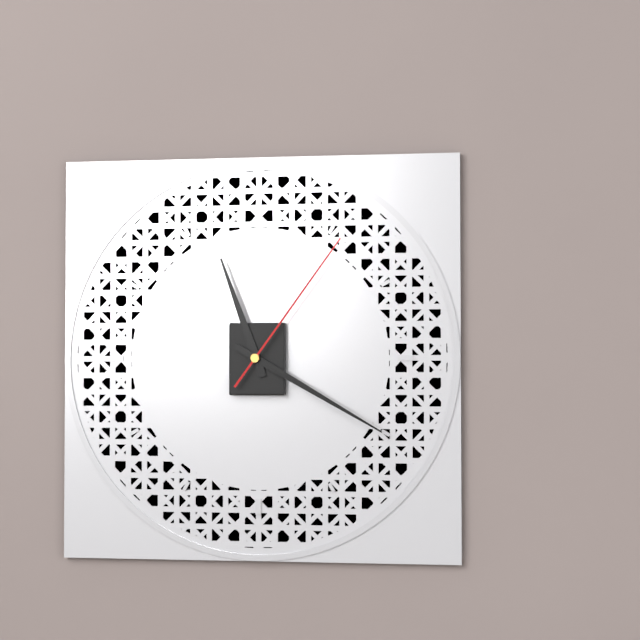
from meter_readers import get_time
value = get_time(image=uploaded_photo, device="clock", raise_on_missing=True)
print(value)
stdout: 11:20:06
